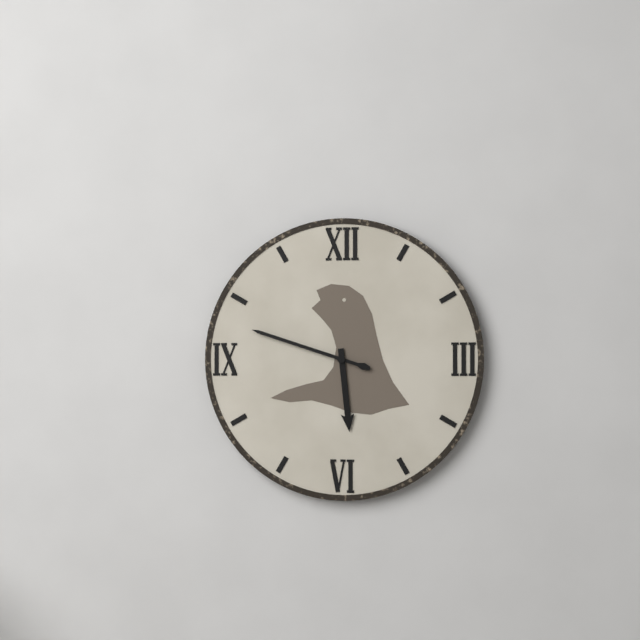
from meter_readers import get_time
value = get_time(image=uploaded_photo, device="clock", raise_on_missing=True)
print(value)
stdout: 5:48
